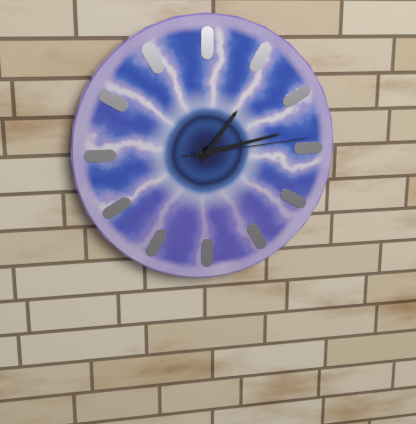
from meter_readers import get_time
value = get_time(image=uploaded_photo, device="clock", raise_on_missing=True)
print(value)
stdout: 1:13:14
